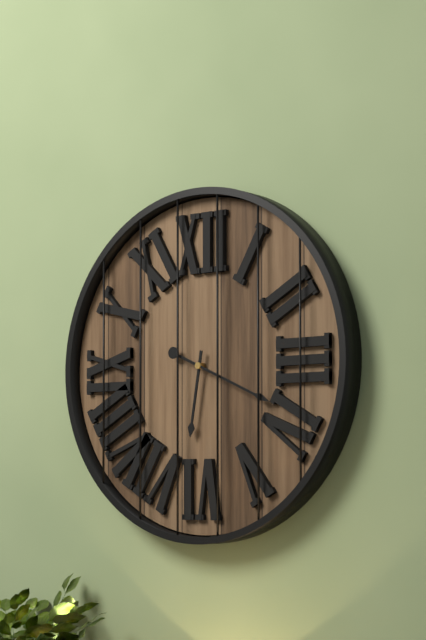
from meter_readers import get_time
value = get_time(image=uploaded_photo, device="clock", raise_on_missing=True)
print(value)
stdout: 6:19
